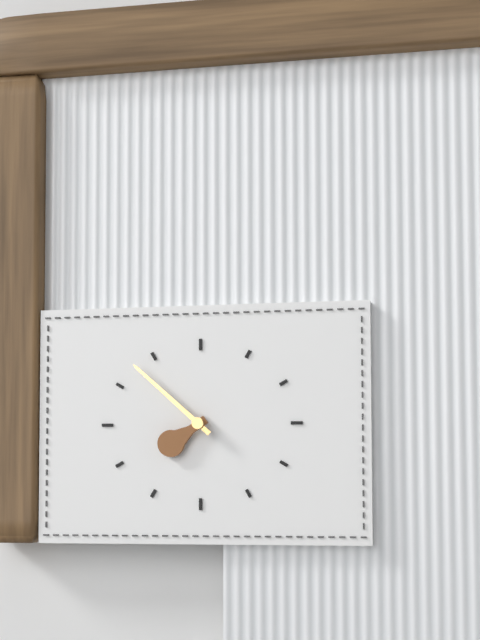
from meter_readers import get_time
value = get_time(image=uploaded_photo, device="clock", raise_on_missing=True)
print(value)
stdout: 7:52
